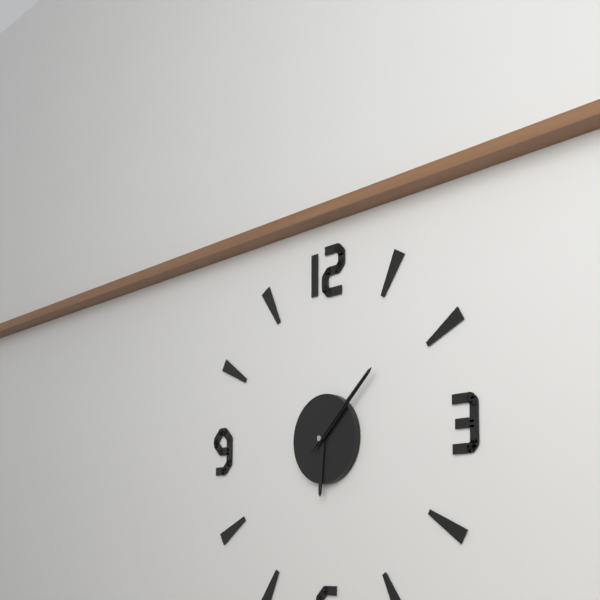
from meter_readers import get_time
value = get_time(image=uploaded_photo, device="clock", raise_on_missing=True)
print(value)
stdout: 6:08:08
